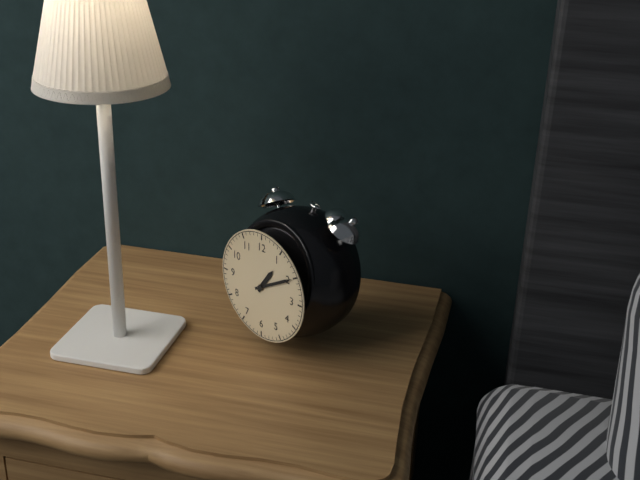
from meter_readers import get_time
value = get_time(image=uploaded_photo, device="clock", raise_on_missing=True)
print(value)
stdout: 1:10
